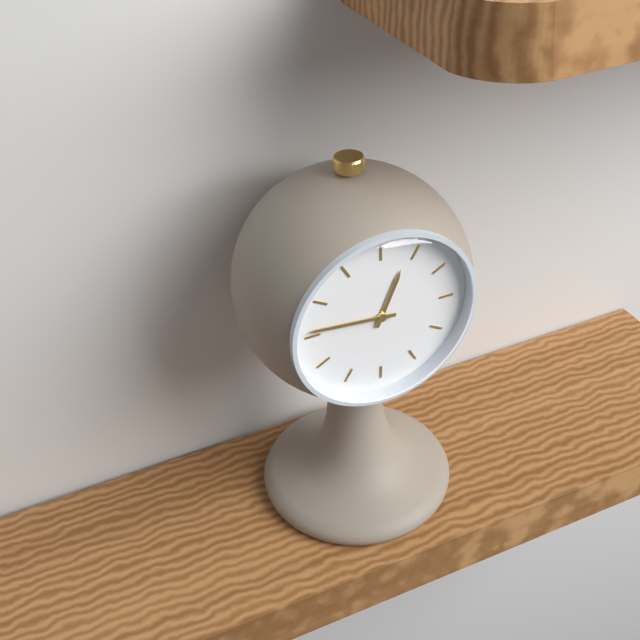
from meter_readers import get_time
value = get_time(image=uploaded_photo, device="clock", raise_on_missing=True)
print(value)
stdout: 12:46
